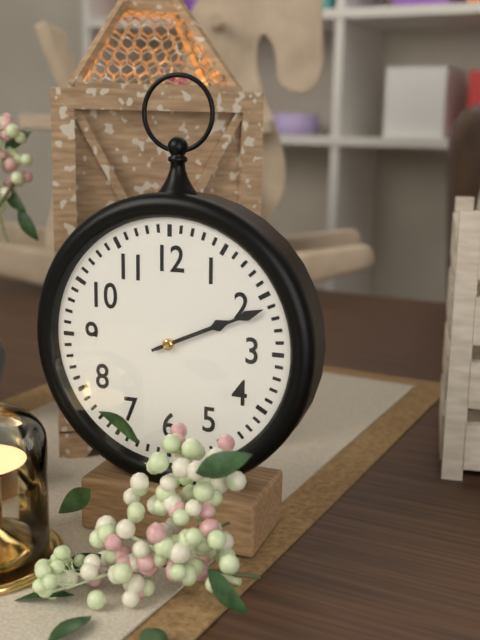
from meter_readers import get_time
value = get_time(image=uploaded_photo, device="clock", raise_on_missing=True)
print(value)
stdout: 2:11
